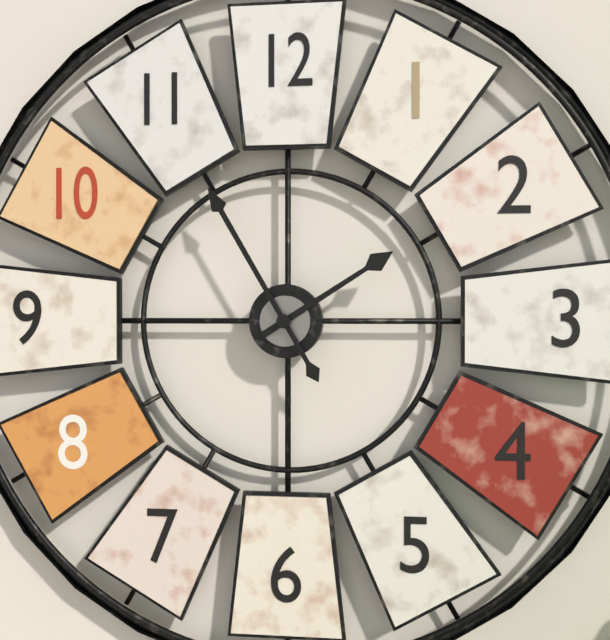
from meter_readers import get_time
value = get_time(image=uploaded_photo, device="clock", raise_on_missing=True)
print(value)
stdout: 1:55
